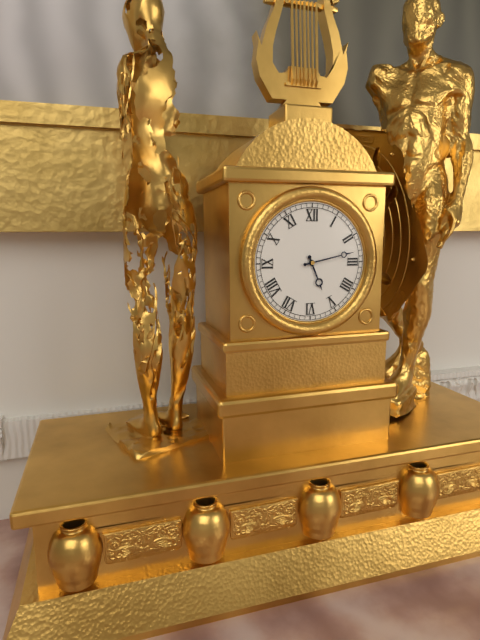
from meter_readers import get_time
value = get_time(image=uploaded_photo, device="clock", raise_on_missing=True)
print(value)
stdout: 5:13
